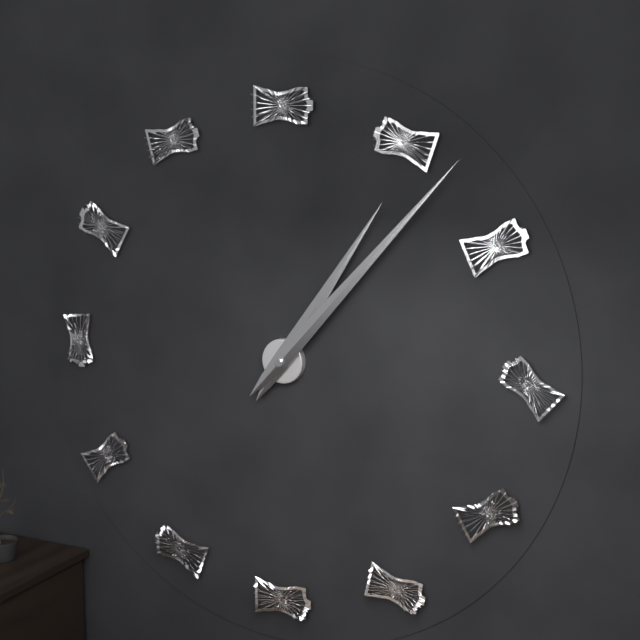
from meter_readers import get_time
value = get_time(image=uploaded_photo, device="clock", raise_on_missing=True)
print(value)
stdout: 1:07
